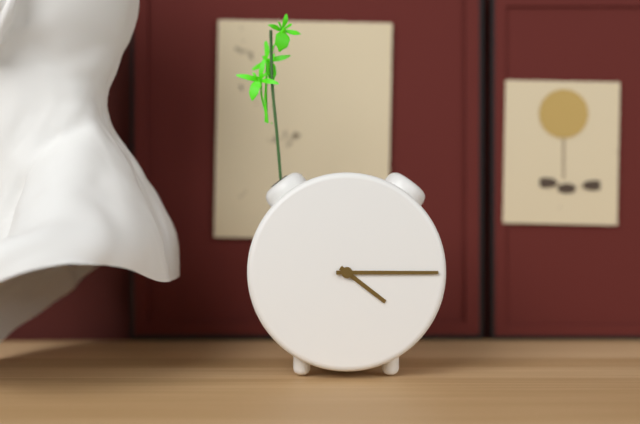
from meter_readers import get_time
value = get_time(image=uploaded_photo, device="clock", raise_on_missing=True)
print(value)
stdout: 4:15
